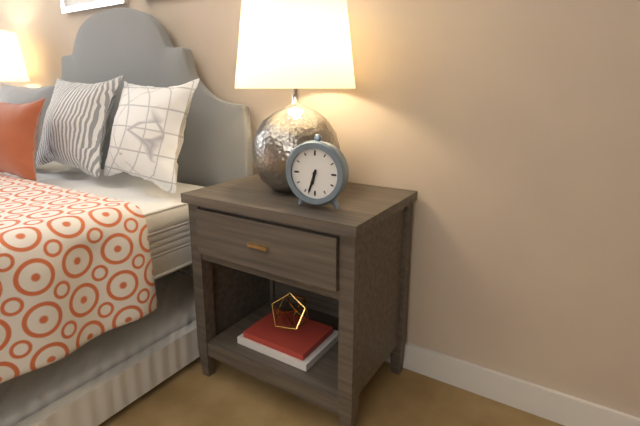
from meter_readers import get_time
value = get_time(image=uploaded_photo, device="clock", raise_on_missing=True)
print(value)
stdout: 6:33
